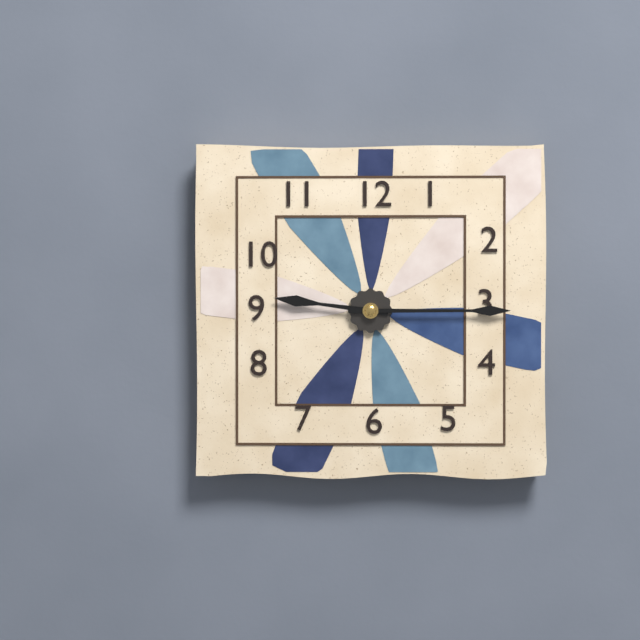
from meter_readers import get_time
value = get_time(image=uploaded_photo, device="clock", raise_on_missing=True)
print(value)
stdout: 9:15
